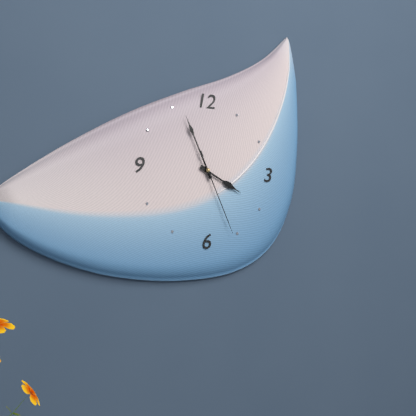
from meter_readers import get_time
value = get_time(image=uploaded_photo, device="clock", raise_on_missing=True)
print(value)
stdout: 3:56:26
